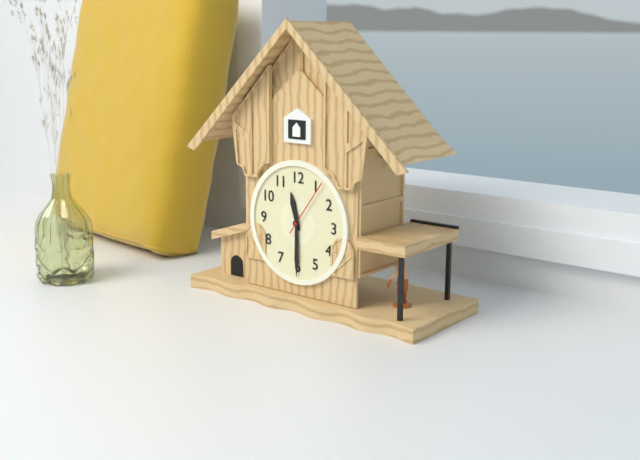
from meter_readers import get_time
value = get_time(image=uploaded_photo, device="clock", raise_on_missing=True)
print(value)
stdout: 11:30:06
